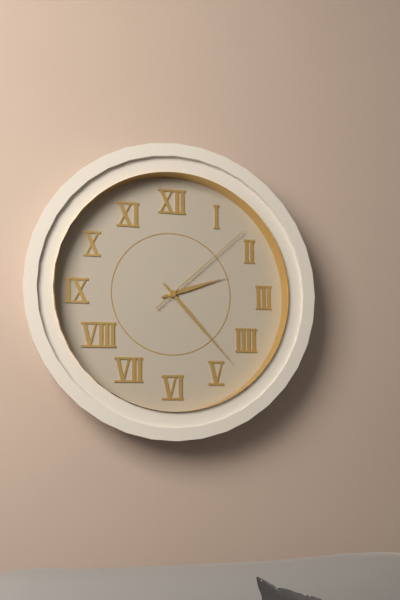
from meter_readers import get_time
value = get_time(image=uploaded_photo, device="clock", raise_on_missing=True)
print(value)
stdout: 2:23:08
